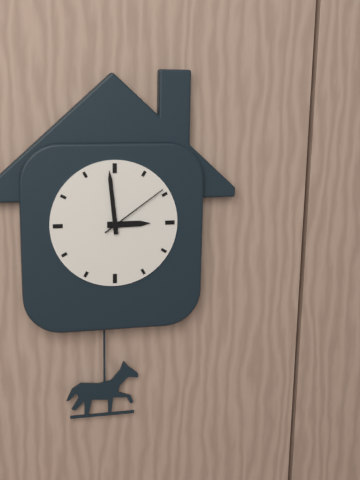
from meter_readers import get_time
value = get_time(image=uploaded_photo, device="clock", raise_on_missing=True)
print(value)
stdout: 2:59:09
